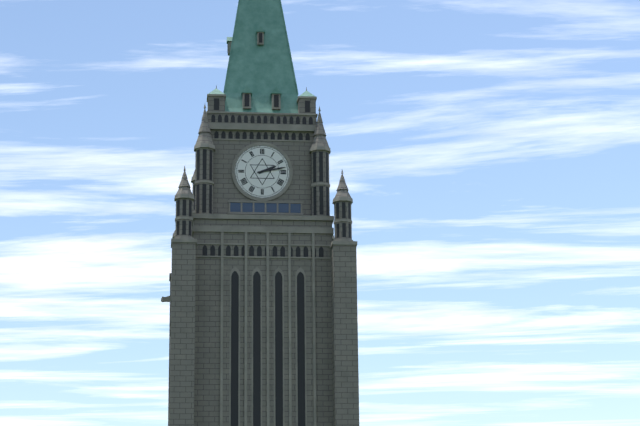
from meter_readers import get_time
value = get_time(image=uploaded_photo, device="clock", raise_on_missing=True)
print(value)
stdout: 2:13
